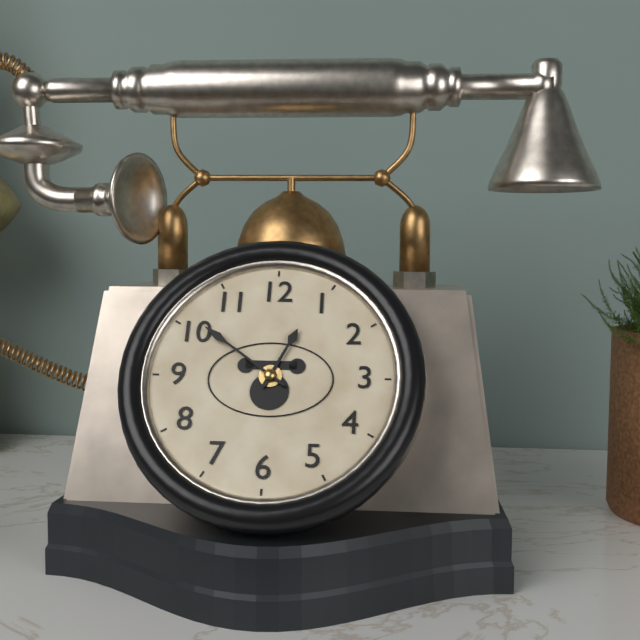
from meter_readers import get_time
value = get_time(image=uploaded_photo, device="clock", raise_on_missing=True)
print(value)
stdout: 12:51
